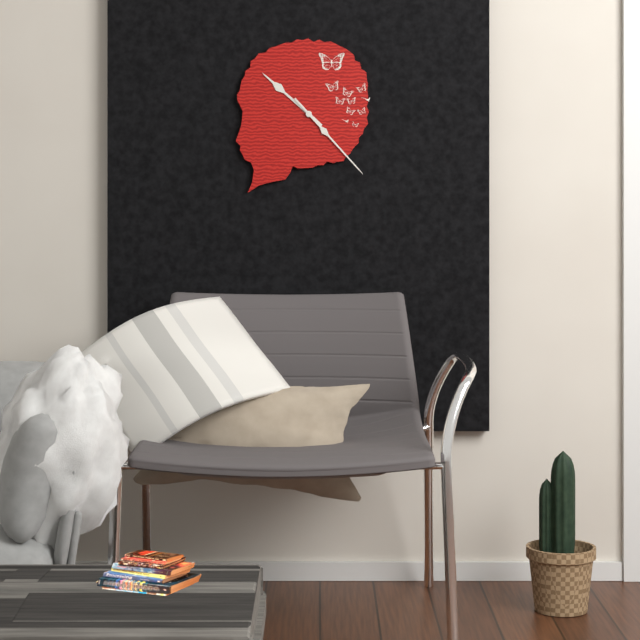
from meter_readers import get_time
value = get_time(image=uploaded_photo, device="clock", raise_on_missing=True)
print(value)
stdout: 10:23
